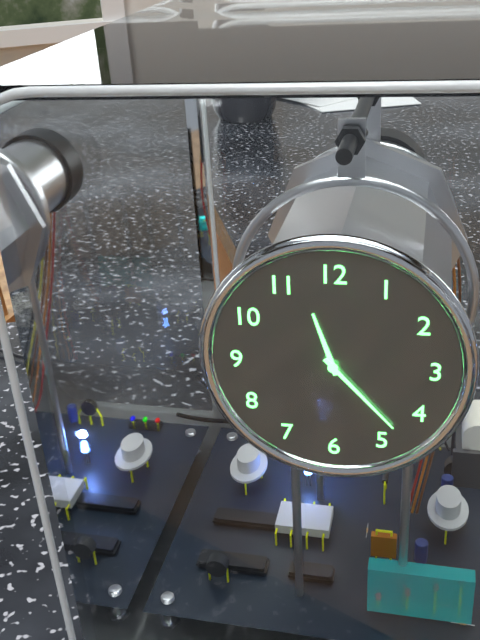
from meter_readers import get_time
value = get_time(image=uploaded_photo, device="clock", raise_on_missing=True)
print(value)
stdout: 11:23
